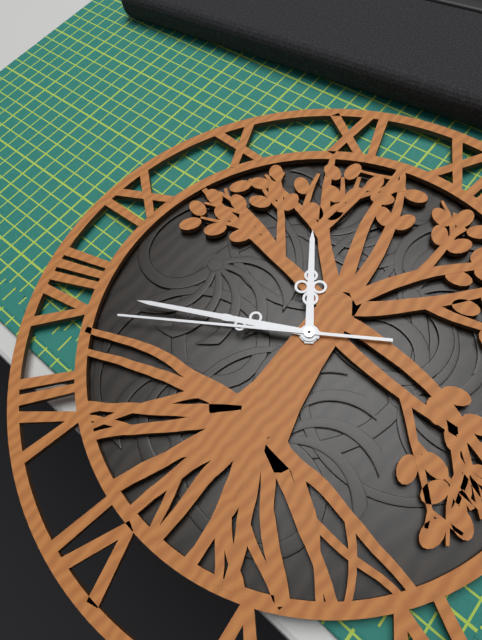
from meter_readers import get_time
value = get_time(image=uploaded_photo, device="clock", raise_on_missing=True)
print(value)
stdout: 10:40:39
